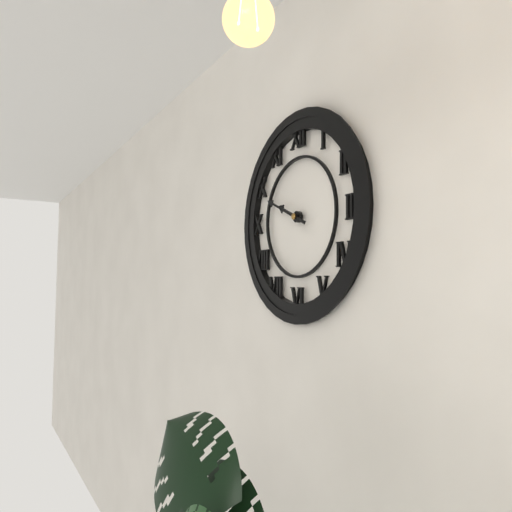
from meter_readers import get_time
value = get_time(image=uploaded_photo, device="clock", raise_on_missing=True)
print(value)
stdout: 9:49
